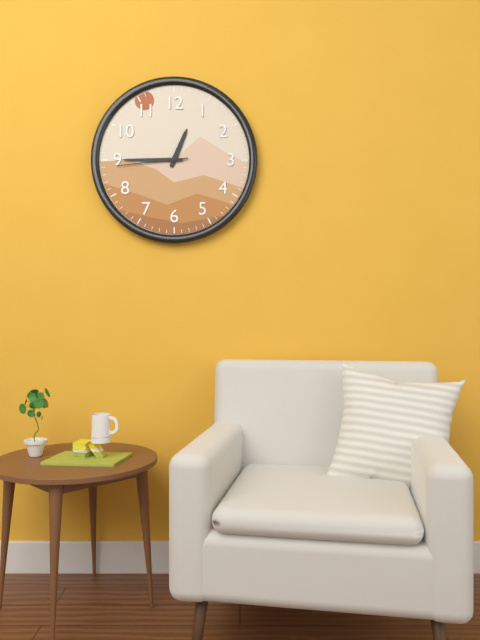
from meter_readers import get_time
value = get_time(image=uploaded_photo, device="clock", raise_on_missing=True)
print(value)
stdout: 12:45:44
